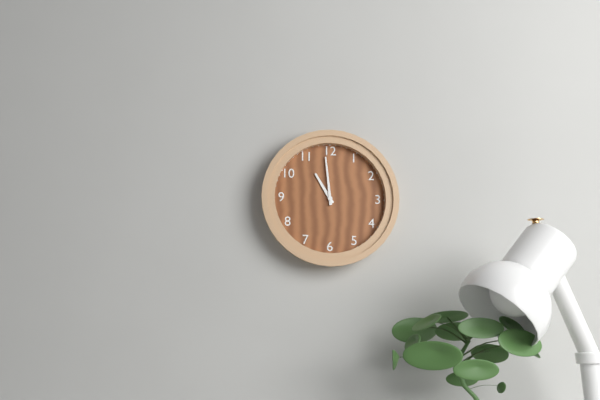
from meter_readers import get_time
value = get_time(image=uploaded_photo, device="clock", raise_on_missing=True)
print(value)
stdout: 10:59
